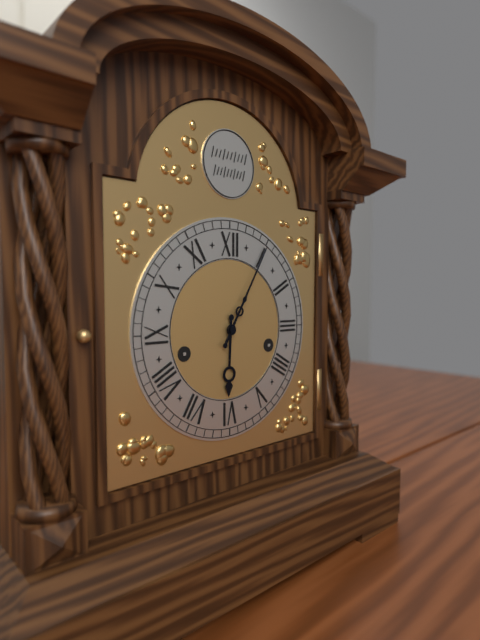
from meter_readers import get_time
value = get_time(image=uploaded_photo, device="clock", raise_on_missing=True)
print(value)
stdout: 6:05
